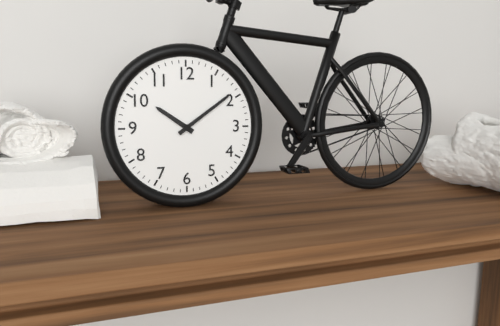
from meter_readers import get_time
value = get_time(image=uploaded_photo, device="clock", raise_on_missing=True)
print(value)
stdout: 10:09
